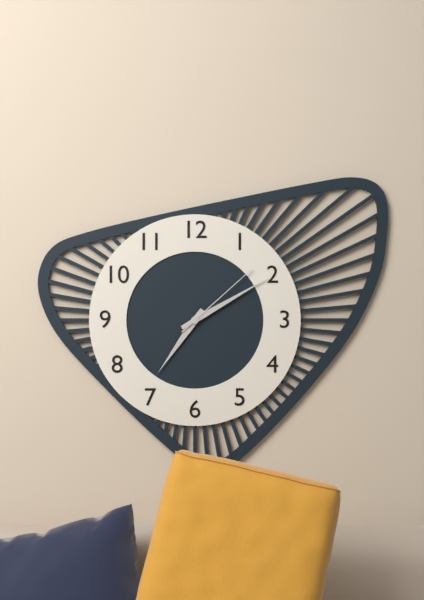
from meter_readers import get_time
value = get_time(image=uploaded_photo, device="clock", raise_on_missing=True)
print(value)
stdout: 7:10:08
